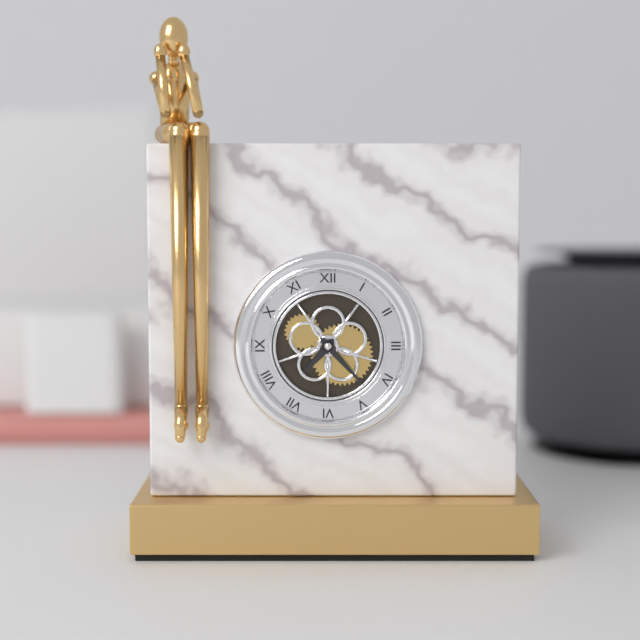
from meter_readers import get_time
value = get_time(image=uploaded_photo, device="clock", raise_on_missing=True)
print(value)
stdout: 7:23
